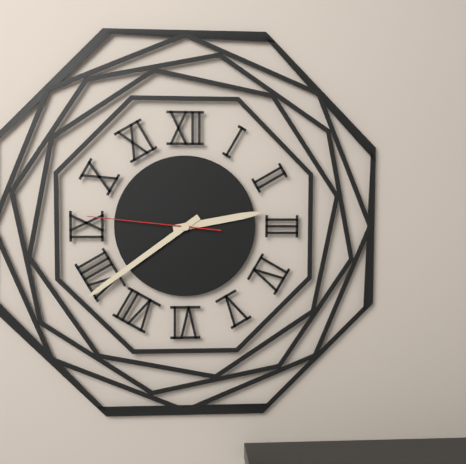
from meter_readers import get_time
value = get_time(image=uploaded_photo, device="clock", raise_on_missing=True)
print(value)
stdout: 2:39:46
